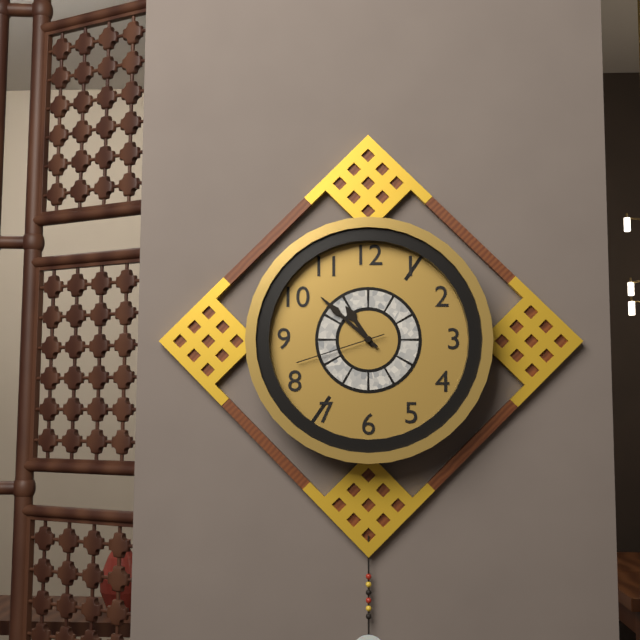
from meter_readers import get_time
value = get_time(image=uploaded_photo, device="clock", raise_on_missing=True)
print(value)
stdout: 10:52:42
